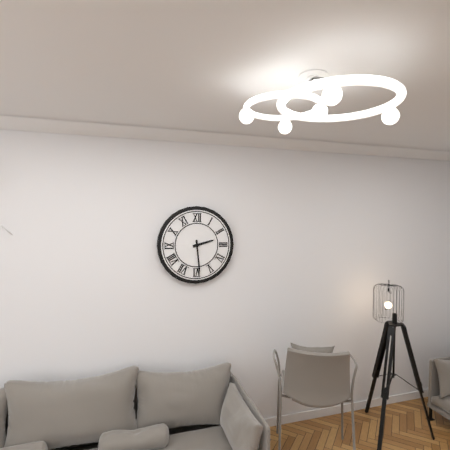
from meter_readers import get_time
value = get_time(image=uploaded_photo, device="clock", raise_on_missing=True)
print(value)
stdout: 2:29
